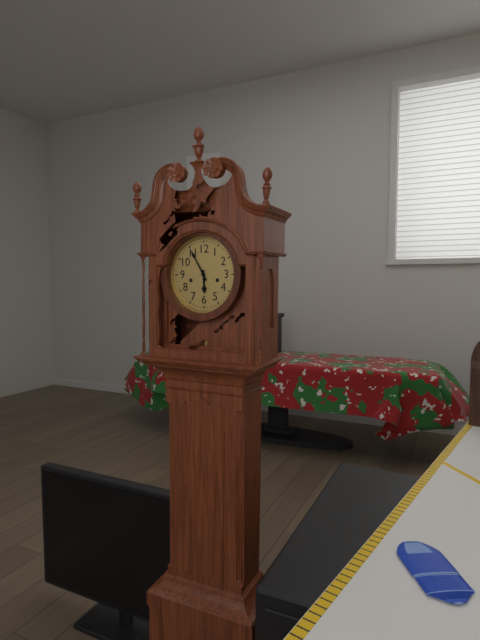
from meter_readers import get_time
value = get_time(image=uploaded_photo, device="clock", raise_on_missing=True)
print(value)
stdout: 5:55
